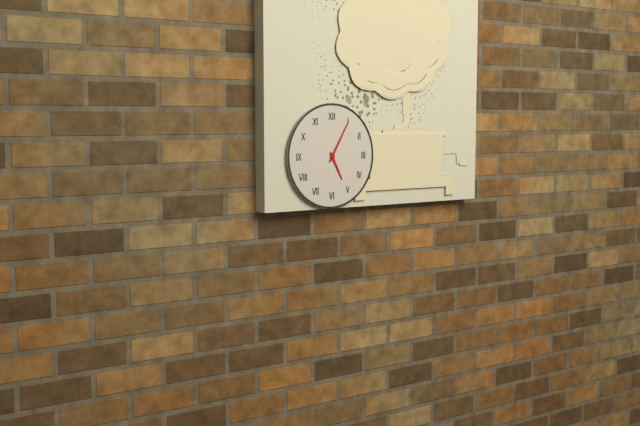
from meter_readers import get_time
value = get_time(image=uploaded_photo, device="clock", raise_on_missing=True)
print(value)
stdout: 5:05
